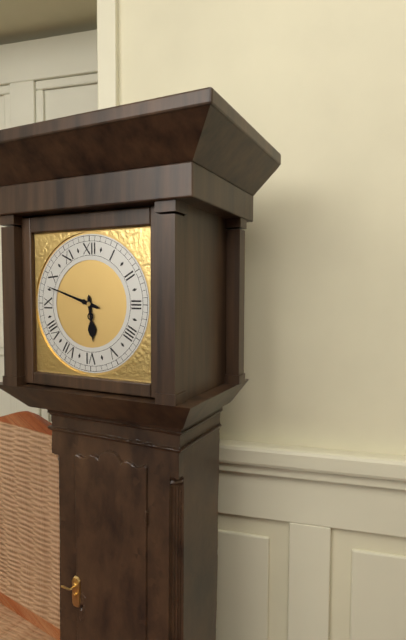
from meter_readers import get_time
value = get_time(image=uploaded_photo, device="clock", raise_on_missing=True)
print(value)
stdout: 5:48
